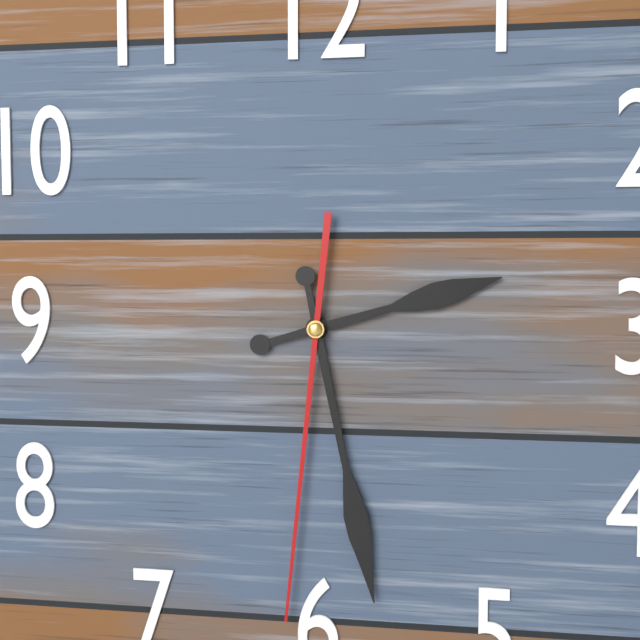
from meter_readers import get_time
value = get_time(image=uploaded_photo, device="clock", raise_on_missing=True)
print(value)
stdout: 2:28:31
